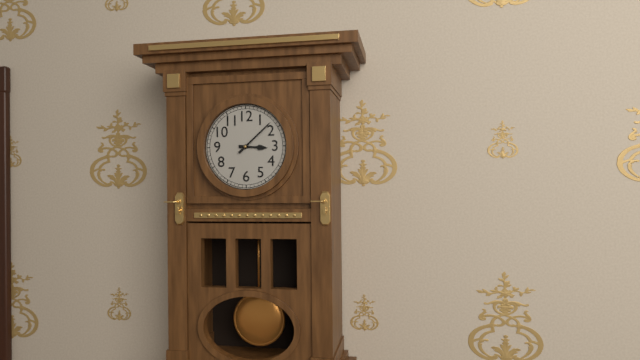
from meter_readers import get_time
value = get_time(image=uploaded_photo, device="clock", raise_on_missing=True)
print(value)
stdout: 3:08
